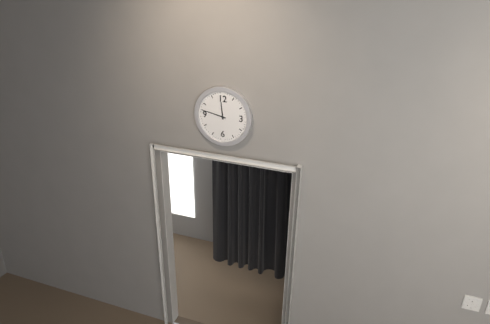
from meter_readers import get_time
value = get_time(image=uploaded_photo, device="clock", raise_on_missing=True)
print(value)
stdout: 11:47
